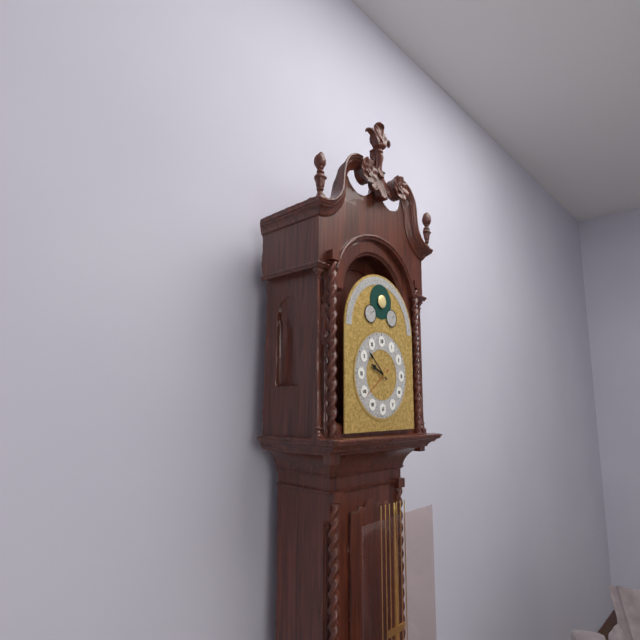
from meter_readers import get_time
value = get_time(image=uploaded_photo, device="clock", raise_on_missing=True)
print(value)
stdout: 9:52
